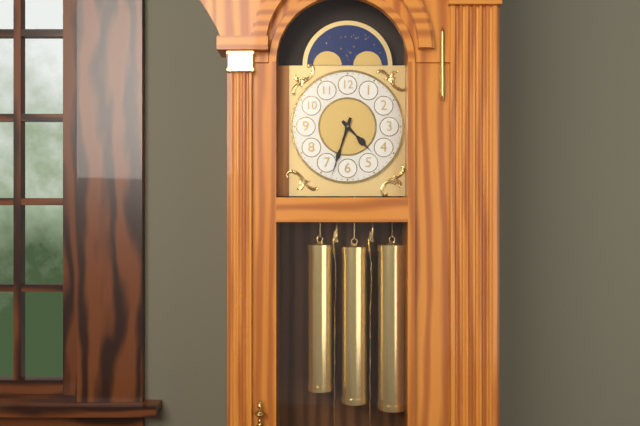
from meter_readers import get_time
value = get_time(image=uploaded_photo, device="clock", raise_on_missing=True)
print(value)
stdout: 4:33
